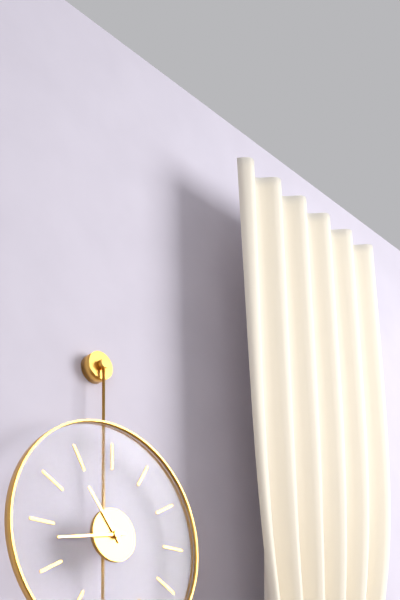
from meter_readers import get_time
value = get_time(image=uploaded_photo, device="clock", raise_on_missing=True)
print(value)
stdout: 10:43
